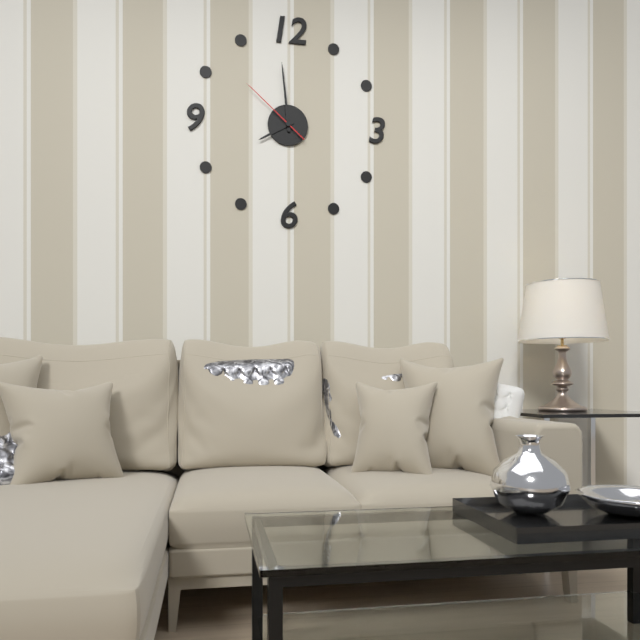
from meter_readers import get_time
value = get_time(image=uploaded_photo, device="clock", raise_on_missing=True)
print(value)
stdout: 7:59:52
